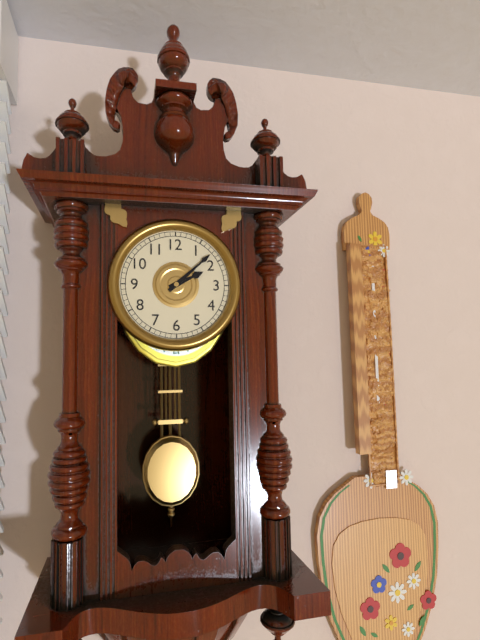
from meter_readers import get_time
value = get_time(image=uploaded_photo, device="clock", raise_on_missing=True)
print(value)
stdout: 2:08
